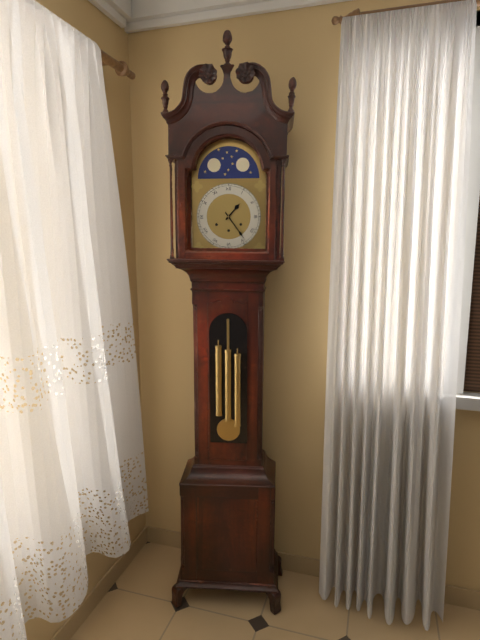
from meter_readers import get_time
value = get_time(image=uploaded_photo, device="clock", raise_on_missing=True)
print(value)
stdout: 1:24
